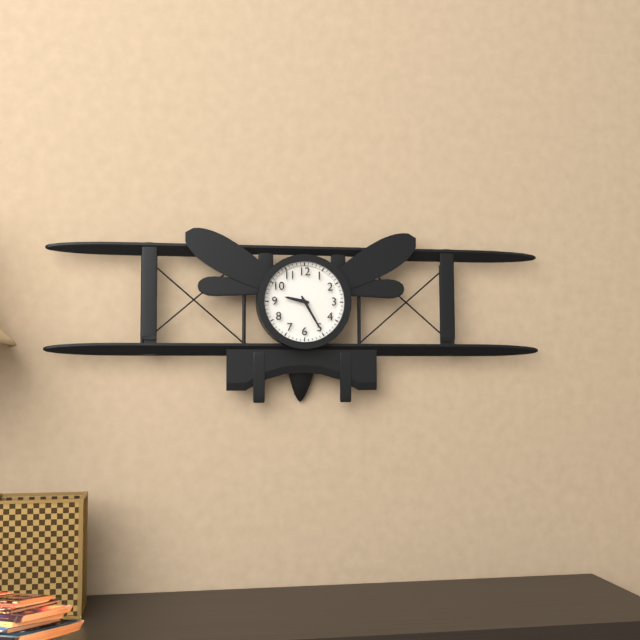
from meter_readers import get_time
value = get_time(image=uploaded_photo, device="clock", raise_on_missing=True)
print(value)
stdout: 9:25
